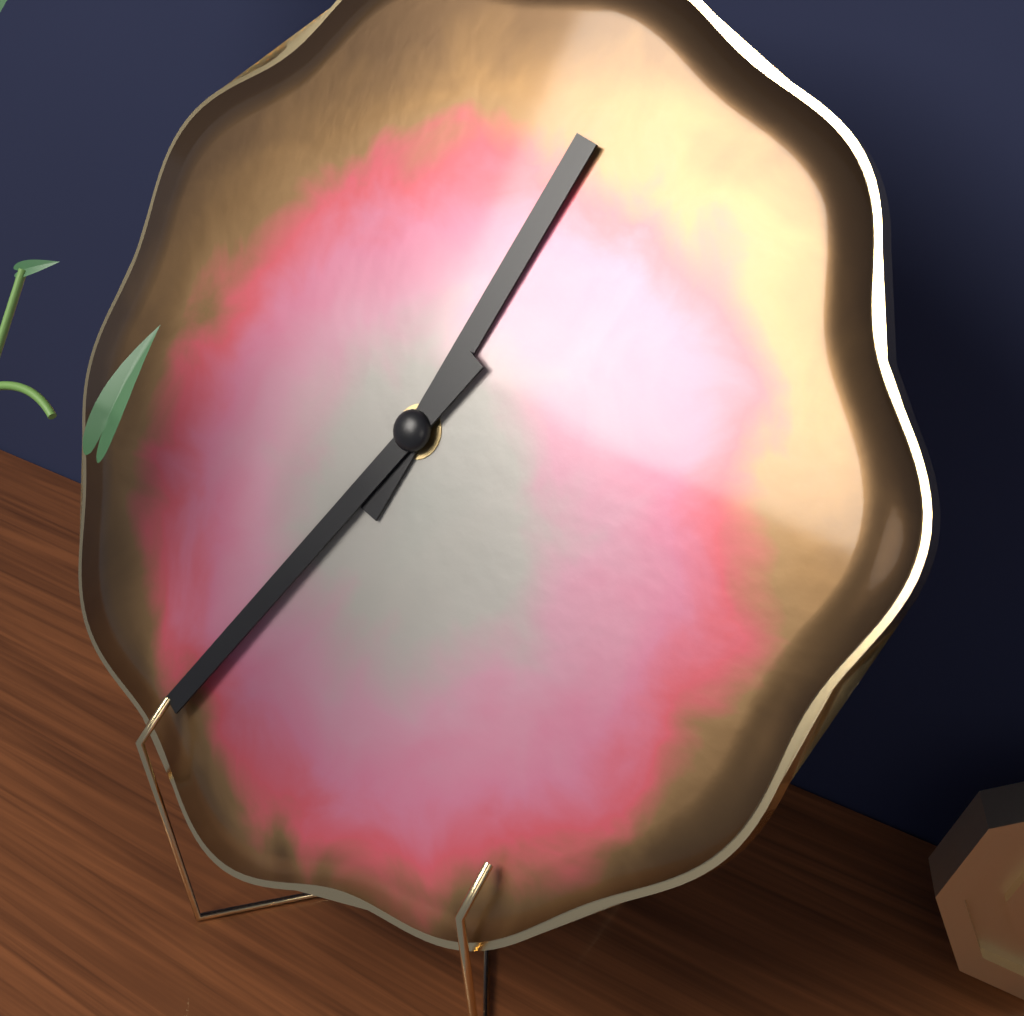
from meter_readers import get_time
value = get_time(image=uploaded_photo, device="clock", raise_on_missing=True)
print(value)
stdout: 12:35
